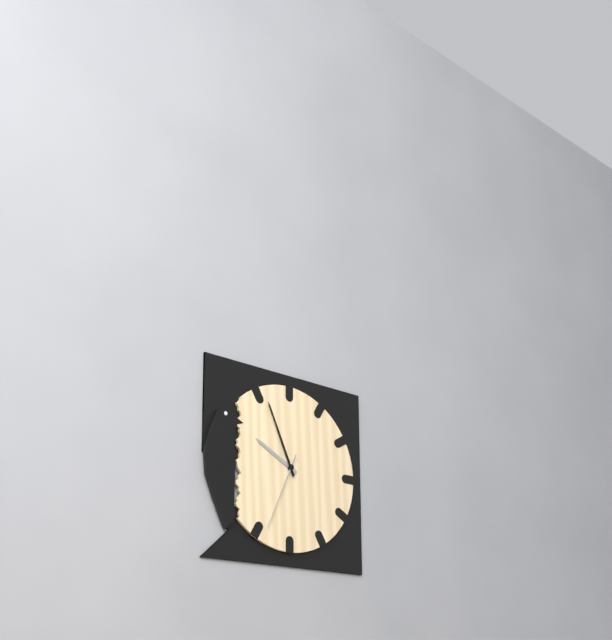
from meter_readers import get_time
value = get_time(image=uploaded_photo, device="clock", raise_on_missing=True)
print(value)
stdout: 9:56:34
